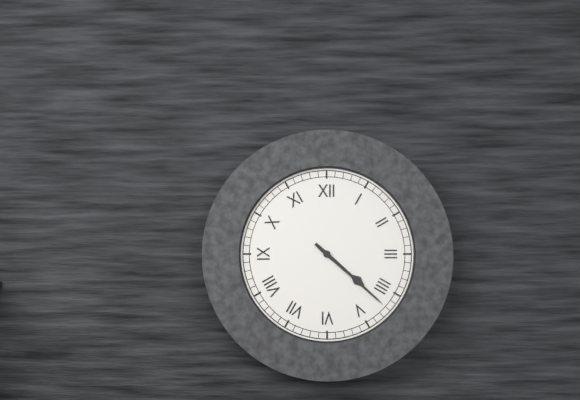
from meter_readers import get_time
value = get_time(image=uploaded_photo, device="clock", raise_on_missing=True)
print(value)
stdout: 4:22
